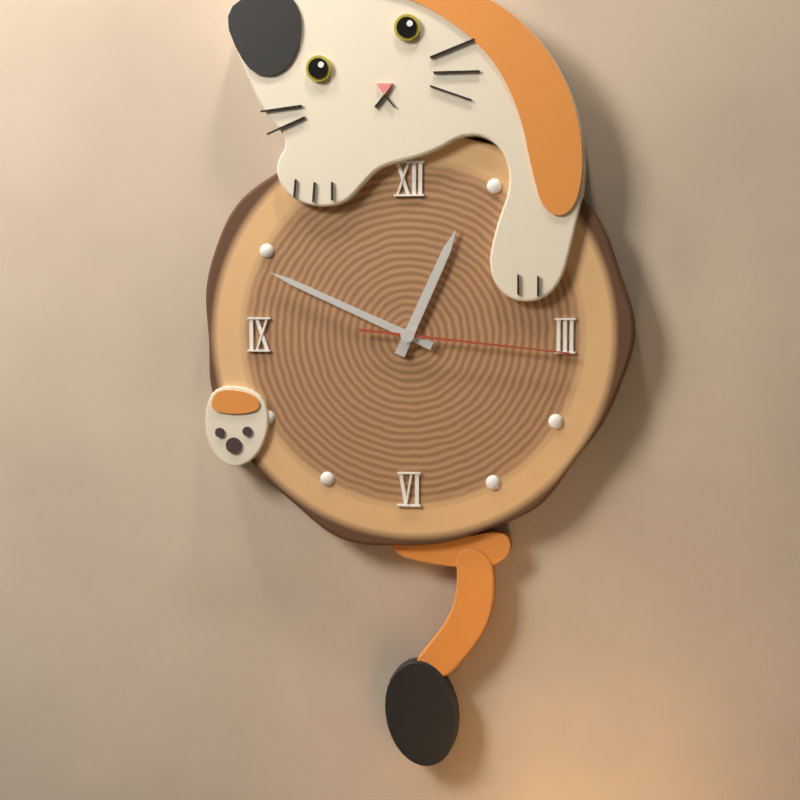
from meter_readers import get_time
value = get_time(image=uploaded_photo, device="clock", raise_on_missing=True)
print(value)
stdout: 12:49:16
